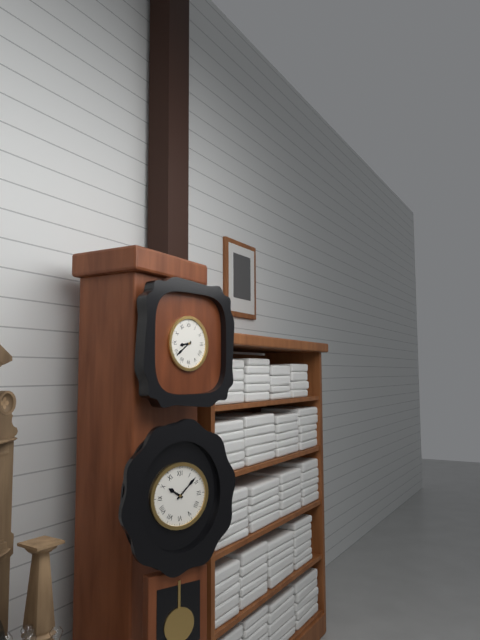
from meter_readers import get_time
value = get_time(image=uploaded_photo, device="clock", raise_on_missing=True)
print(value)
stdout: 8:39
